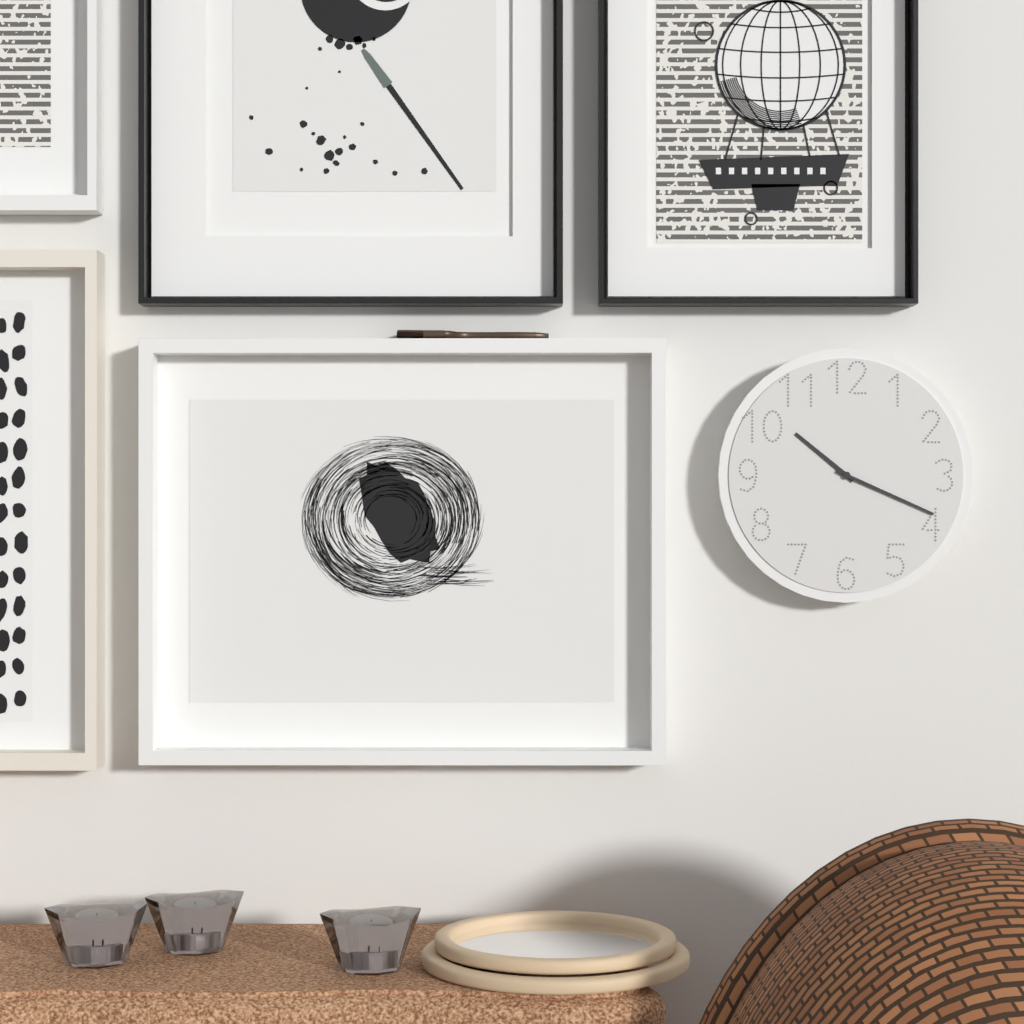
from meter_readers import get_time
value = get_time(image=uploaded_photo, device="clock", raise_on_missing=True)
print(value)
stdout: 10:19
